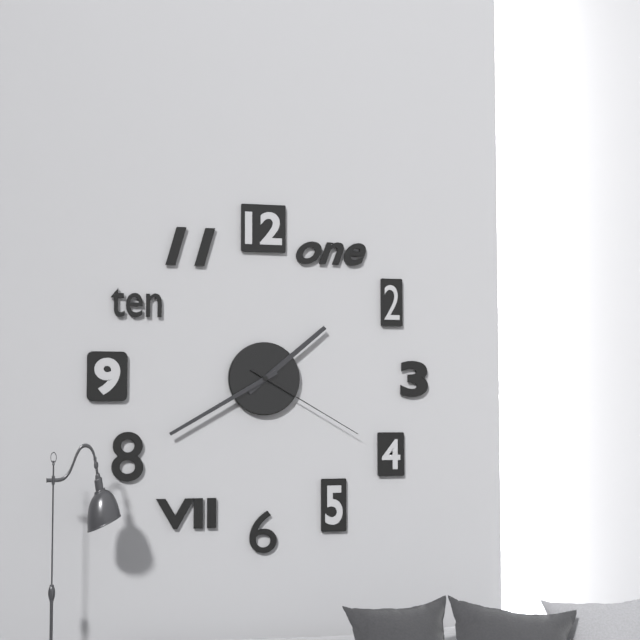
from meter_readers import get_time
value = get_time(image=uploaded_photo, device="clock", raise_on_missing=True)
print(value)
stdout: 1:40:20
